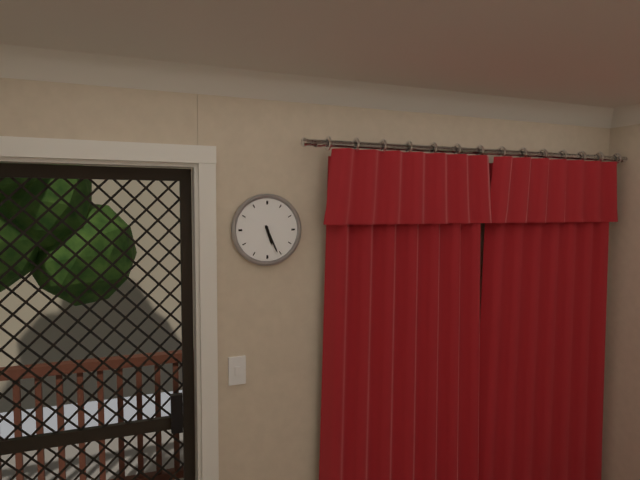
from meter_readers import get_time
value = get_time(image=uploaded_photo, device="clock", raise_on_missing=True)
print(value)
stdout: 5:26
